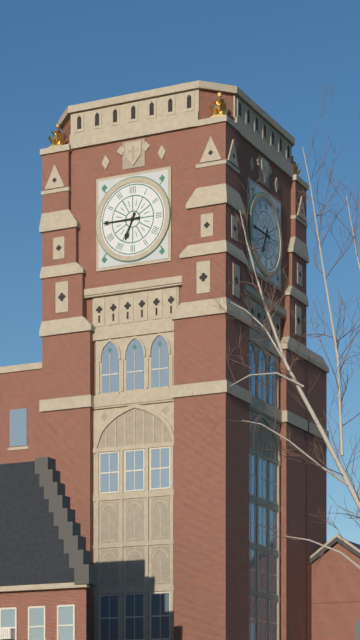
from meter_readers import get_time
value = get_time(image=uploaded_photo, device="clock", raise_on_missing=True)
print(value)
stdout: 6:45
